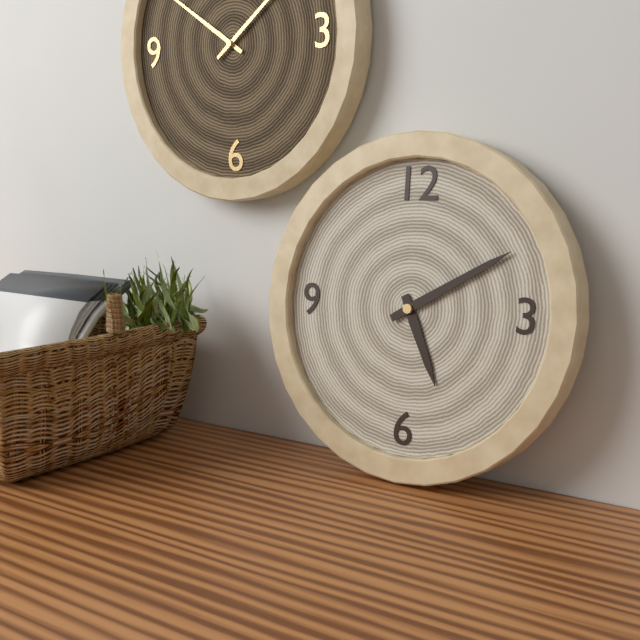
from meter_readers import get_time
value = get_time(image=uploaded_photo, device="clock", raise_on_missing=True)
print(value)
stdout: 5:10
